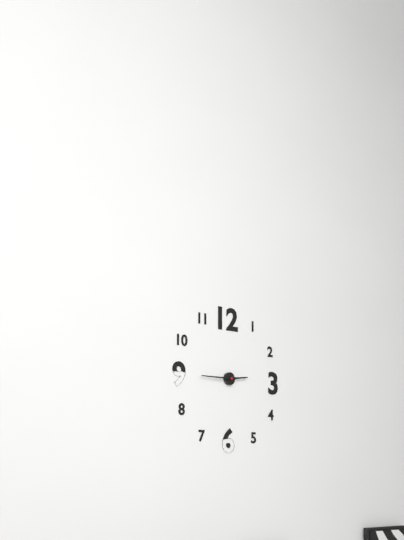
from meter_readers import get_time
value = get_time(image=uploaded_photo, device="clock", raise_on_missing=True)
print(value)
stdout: 2:45
